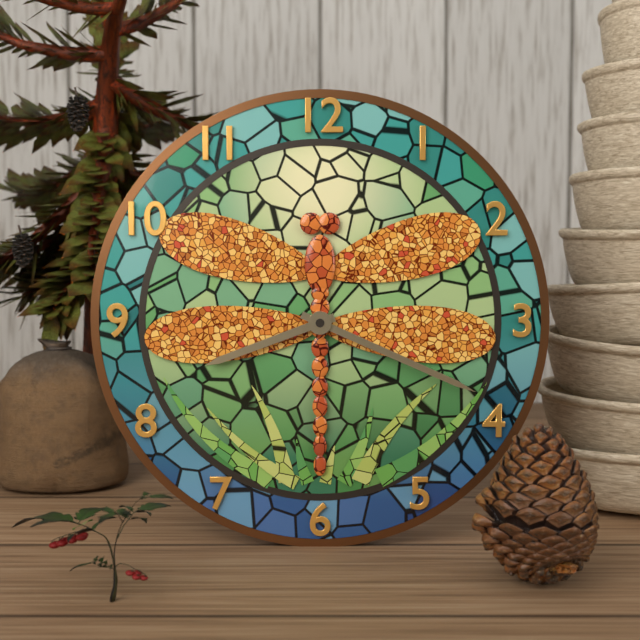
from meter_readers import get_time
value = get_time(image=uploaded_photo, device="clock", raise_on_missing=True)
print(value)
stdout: 8:19
